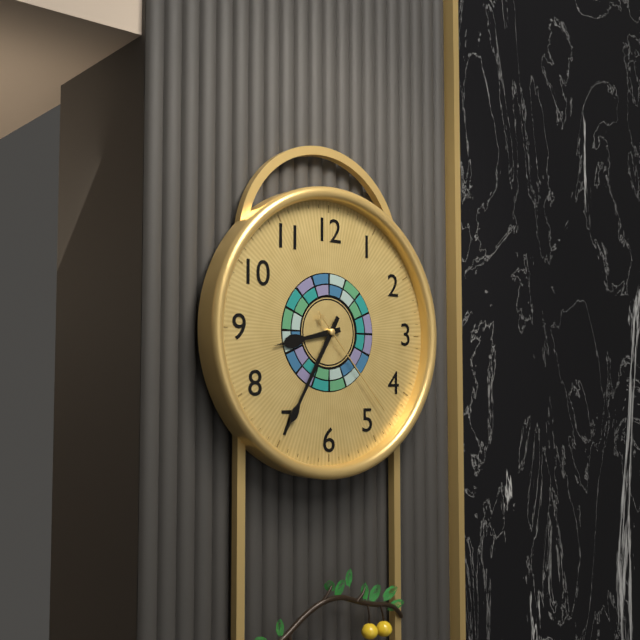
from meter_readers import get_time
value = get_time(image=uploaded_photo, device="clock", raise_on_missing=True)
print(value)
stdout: 8:35:23
